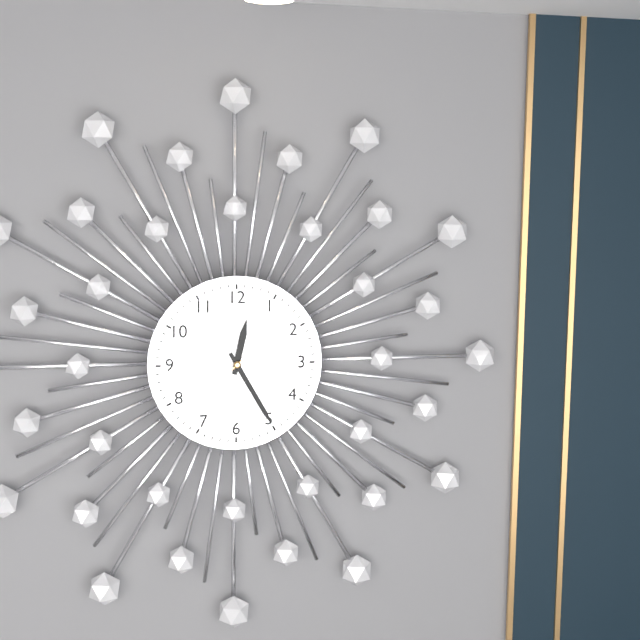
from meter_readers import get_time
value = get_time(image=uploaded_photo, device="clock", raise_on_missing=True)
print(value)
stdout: 12:25:08
